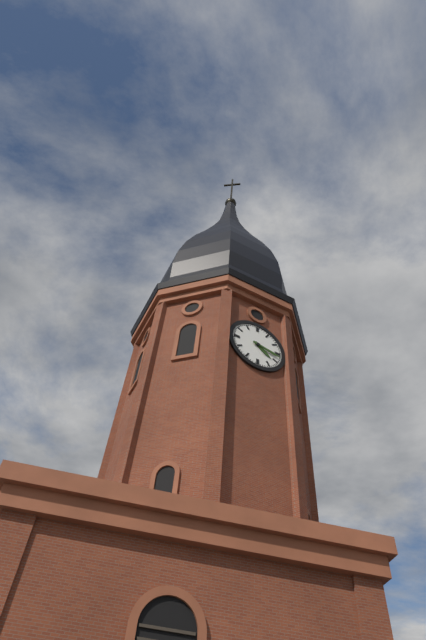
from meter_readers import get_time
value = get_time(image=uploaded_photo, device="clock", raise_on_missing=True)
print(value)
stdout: 4:17
